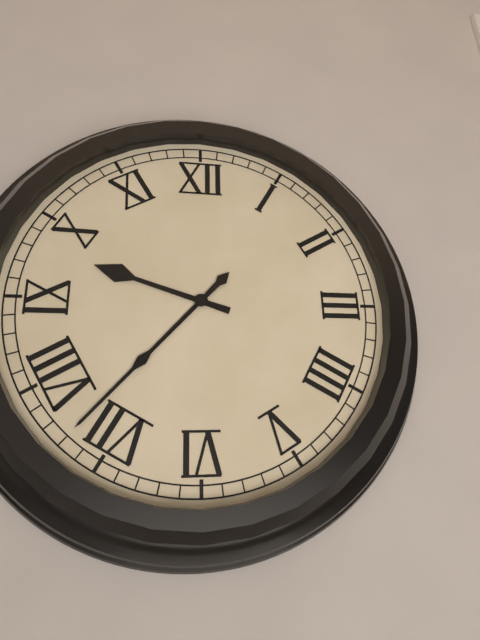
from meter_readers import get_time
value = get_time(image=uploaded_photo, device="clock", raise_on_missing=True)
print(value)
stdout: 9:37
